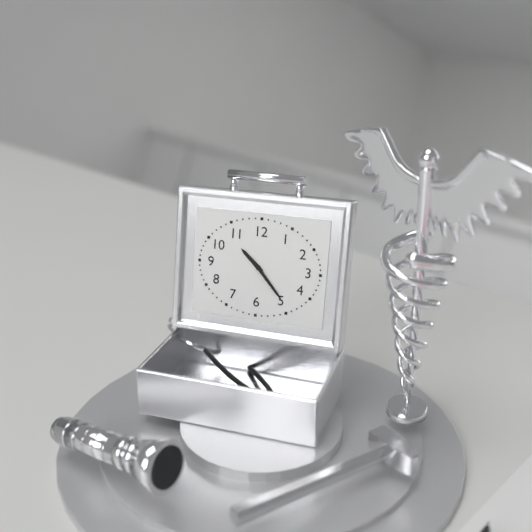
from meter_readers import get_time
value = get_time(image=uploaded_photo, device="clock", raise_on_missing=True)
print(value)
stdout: 10:23
